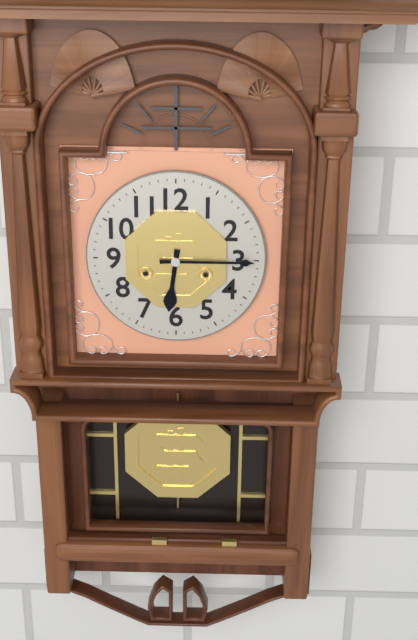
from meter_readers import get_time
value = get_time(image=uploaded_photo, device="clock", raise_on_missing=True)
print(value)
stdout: 6:15
